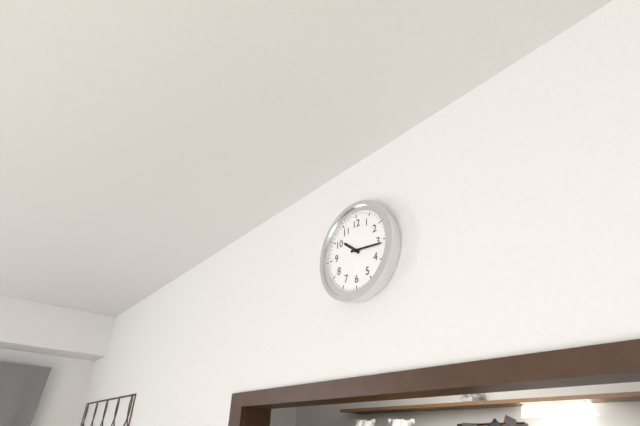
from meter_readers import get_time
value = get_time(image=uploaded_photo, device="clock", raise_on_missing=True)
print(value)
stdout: 10:16
